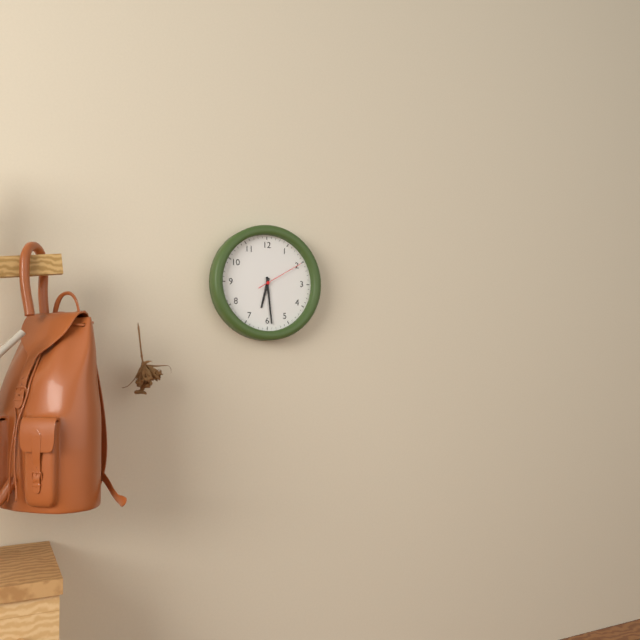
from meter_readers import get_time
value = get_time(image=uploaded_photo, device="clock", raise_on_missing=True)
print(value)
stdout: 6:29
